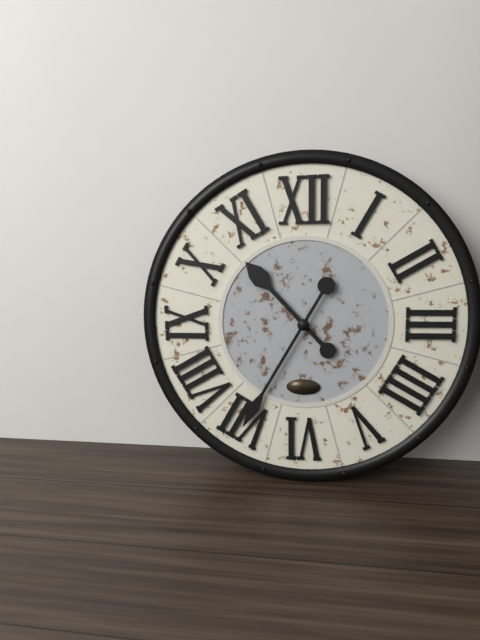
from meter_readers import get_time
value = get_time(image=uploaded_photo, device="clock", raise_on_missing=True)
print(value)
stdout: 10:35
